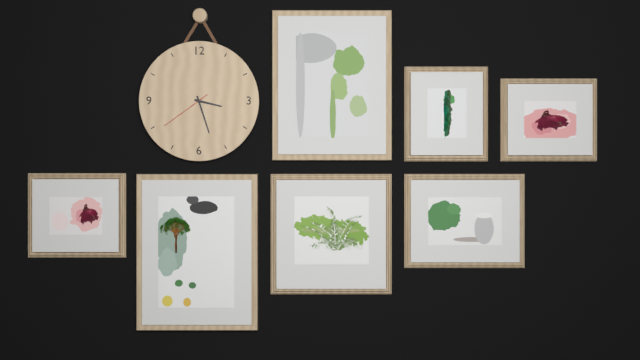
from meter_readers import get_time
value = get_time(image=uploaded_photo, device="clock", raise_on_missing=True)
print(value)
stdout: 3:27:39
